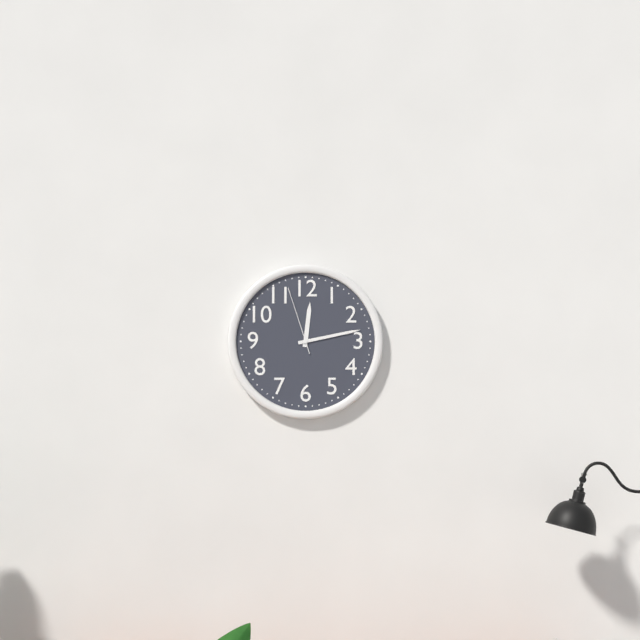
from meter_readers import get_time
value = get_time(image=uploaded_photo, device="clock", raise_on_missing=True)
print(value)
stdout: 12:13:57
